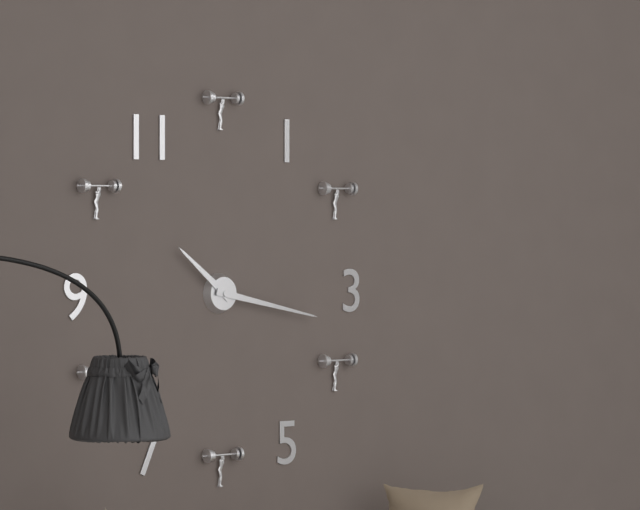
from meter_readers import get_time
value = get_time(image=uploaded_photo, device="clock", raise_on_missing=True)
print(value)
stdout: 10:17
